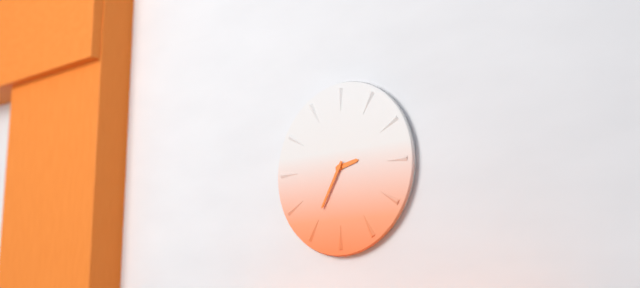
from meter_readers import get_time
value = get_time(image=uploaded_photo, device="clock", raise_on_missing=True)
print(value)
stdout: 2:35
